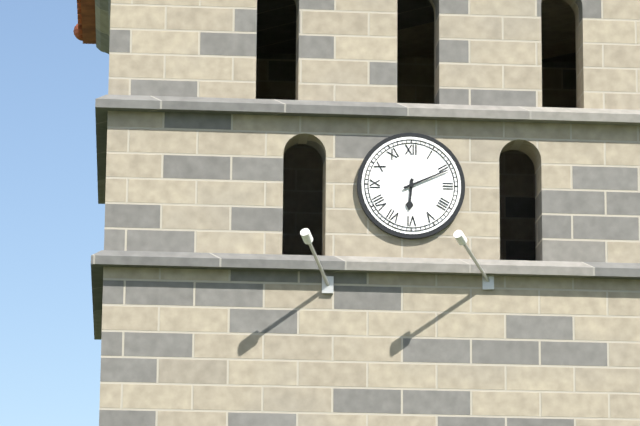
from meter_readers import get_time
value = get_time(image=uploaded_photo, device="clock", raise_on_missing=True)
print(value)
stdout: 6:11
